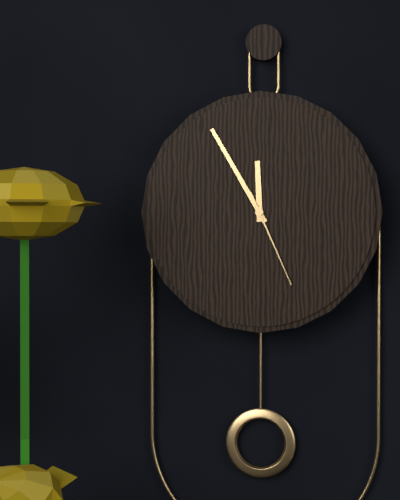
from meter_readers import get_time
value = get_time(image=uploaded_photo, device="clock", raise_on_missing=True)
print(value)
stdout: 11:55:26
